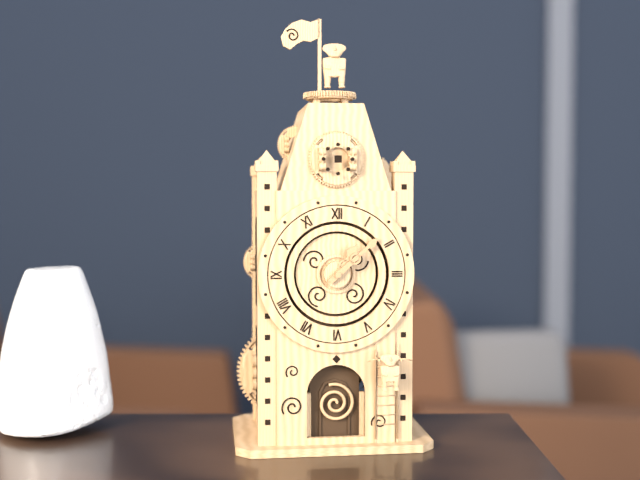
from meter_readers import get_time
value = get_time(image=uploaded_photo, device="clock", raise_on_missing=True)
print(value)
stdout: 1:08
